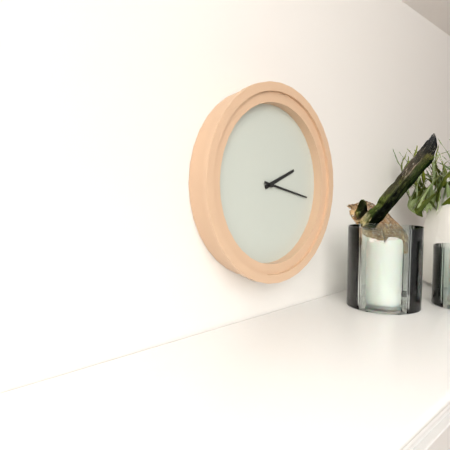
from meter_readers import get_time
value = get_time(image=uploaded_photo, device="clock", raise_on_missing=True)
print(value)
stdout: 2:17
